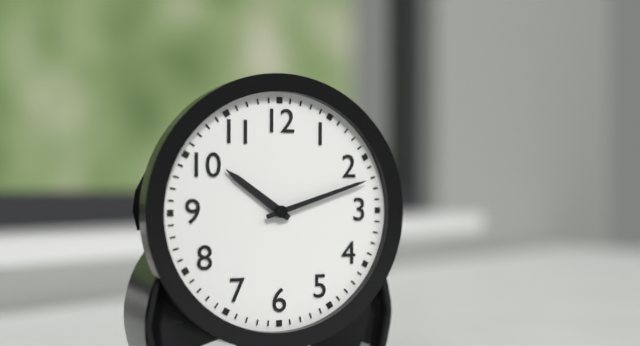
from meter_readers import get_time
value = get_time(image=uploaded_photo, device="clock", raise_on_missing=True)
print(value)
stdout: 10:12
